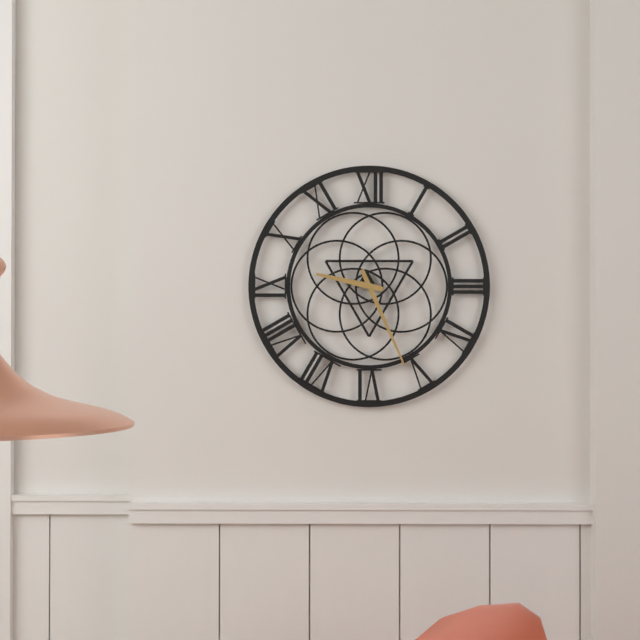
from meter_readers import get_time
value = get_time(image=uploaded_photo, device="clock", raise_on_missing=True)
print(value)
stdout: 9:26
